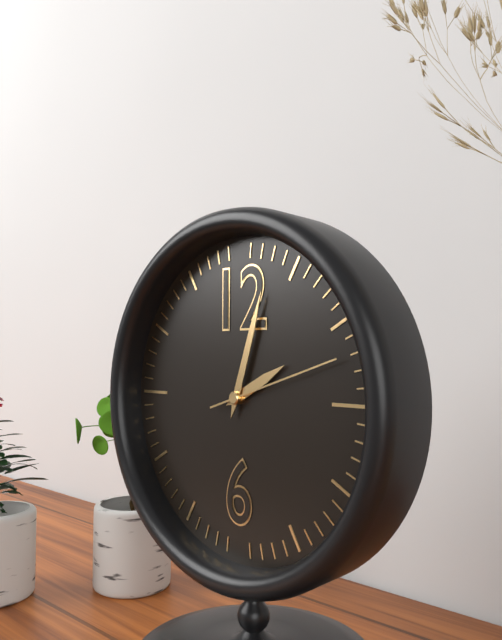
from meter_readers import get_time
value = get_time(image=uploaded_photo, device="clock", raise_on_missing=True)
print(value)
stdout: 2:03:12
